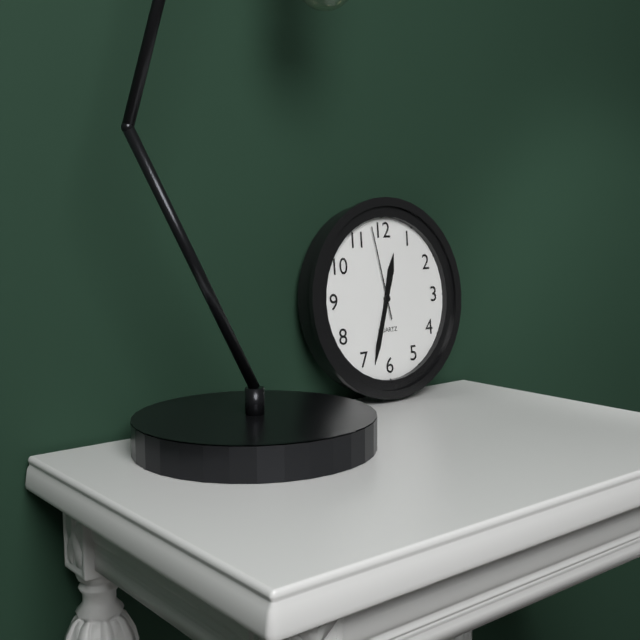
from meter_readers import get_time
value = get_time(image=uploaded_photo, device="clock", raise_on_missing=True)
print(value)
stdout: 12:33:58
